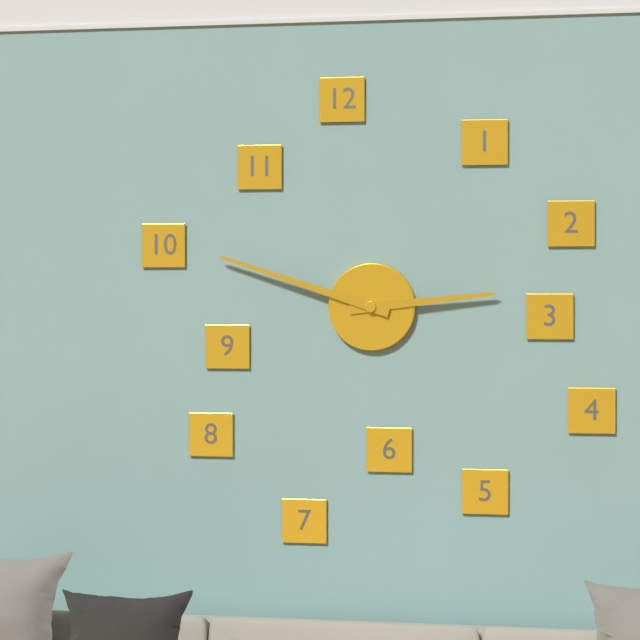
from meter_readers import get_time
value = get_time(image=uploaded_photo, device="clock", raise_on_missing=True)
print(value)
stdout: 2:48
